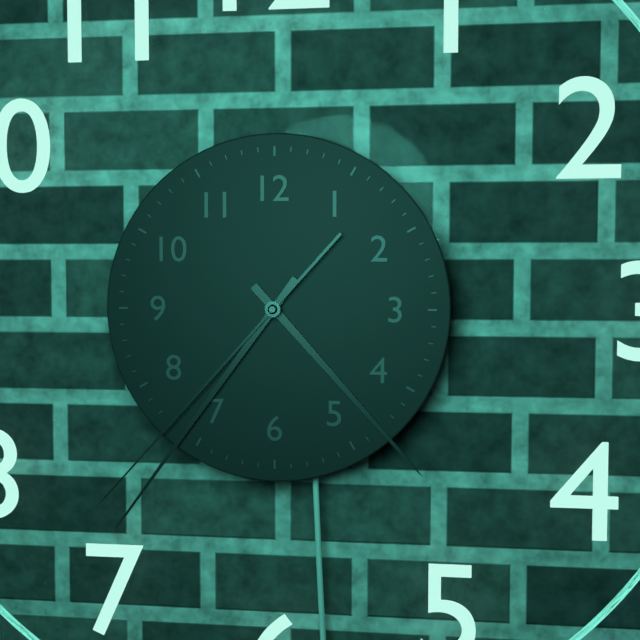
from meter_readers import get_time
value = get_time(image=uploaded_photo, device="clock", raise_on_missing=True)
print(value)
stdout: 4:36:37
